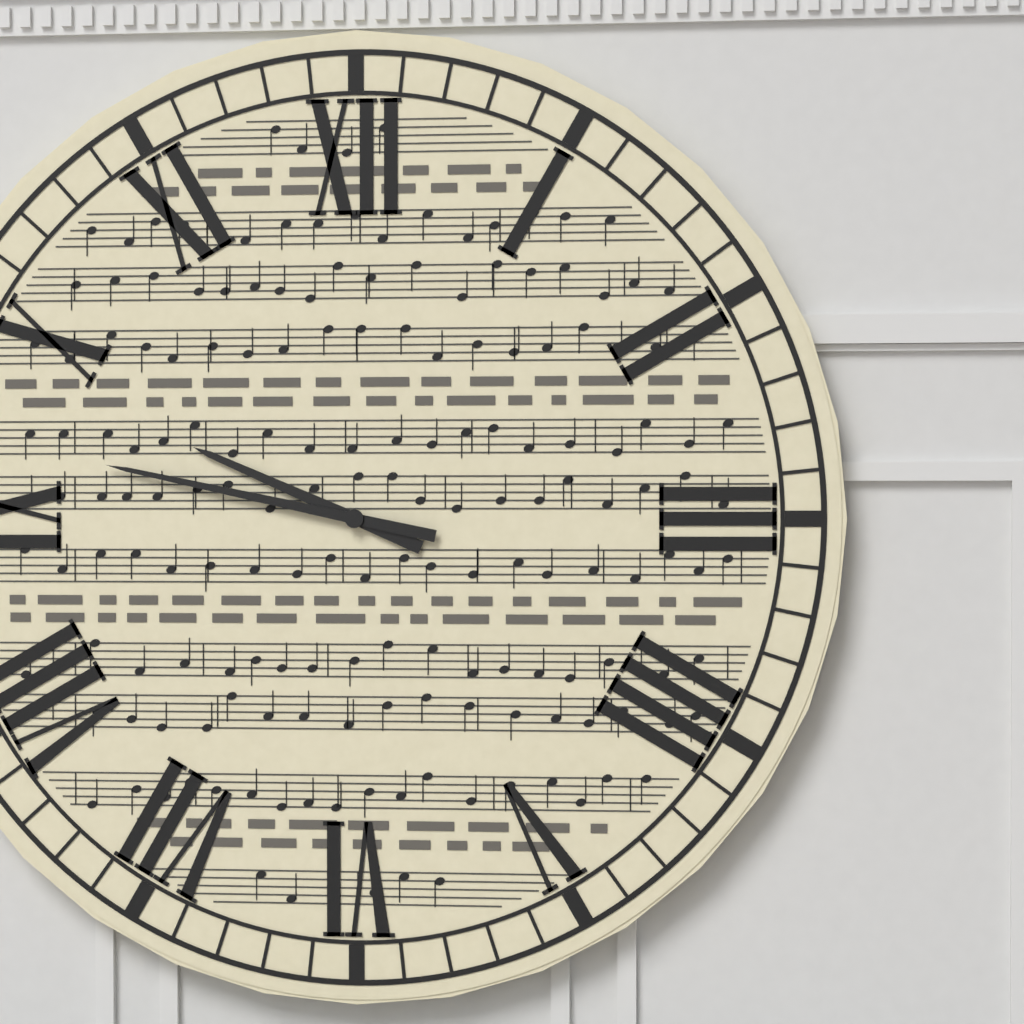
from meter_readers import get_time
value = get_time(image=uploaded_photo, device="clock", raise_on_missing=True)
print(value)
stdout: 9:47
